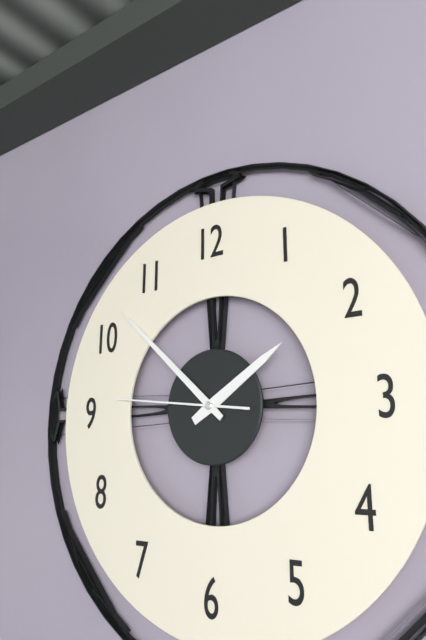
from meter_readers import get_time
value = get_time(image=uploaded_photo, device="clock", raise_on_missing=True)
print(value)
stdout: 1:52:46
